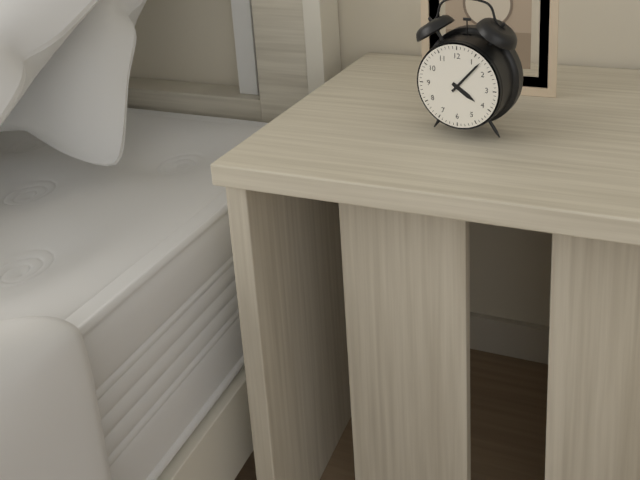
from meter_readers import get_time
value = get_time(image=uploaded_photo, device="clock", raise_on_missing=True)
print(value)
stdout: 4:07
